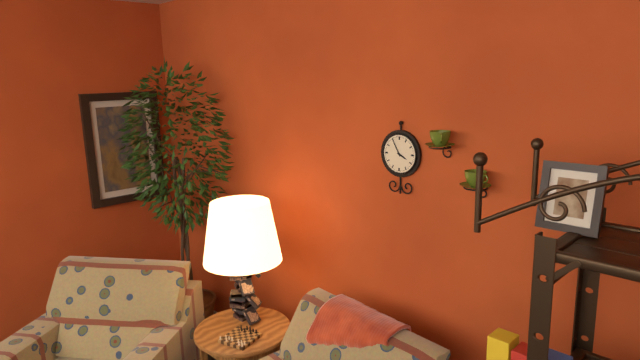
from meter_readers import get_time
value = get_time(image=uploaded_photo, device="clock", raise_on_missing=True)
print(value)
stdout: 3:55
